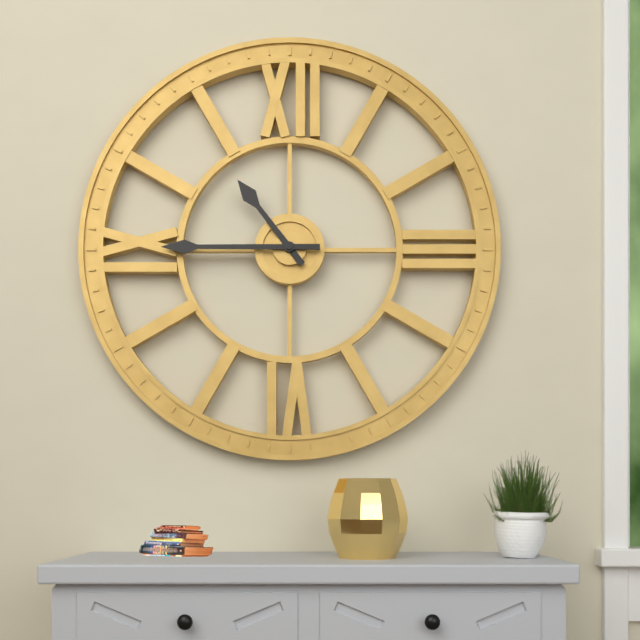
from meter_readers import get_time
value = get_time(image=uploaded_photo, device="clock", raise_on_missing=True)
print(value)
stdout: 10:45
